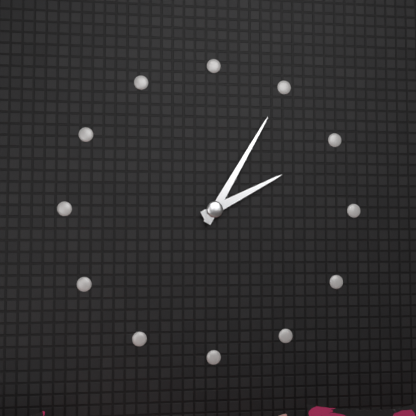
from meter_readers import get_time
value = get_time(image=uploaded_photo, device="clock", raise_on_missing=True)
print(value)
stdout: 2:05
